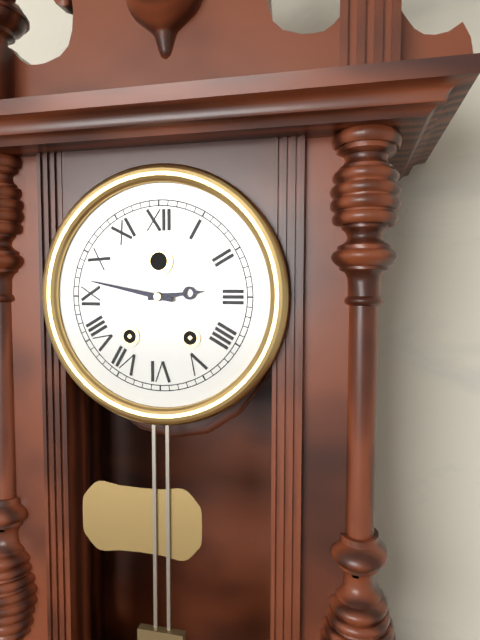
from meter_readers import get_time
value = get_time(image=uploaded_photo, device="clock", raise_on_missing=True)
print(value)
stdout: 2:47
